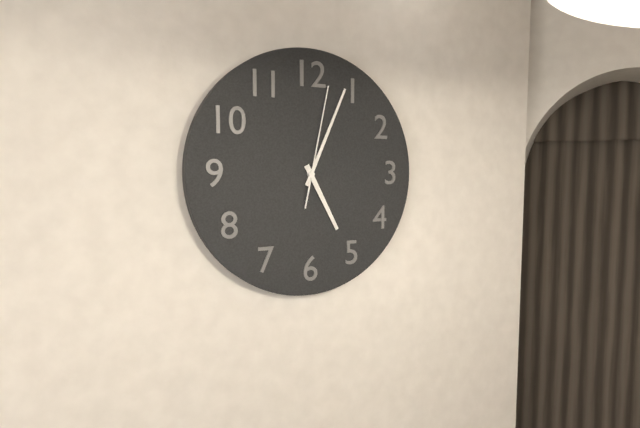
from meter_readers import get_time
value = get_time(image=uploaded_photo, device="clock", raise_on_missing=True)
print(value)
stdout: 5:04:02
